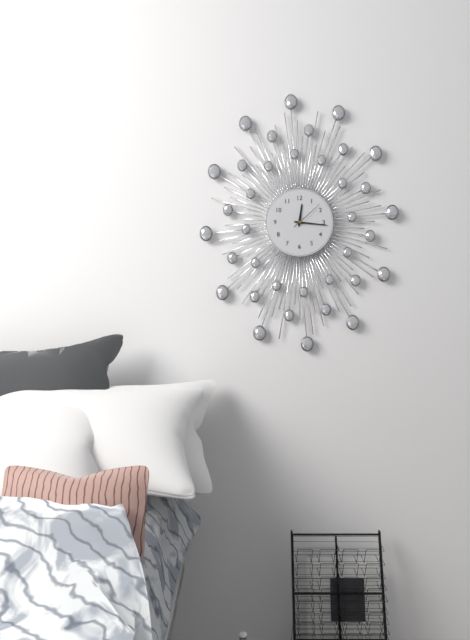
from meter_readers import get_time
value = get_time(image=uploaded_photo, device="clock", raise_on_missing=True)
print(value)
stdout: 12:16
